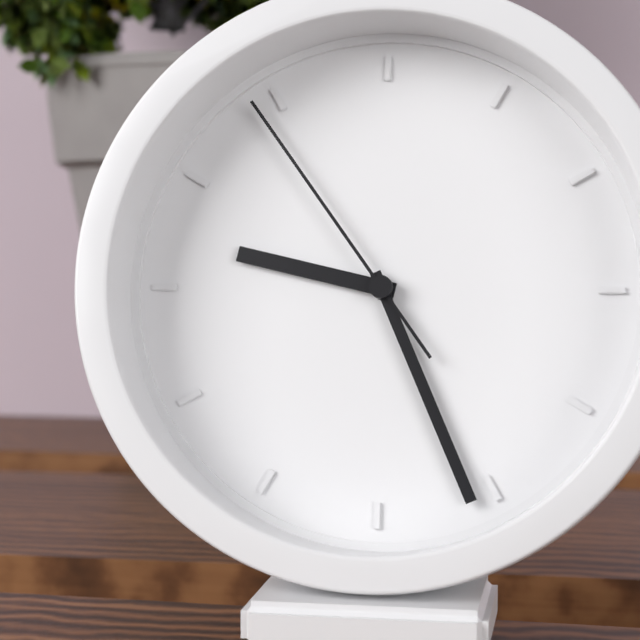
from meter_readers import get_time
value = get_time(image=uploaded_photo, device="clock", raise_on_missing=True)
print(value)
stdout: 9:26:54
